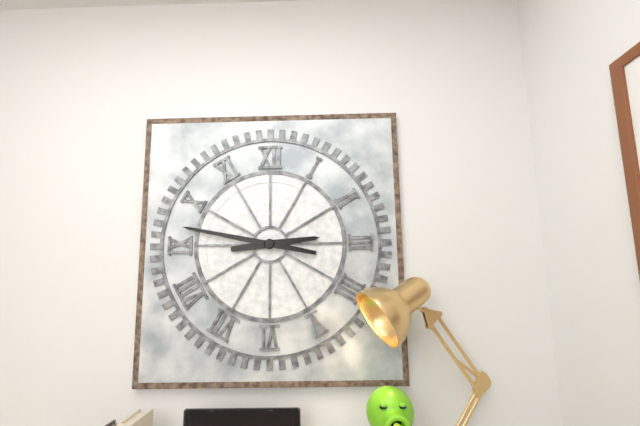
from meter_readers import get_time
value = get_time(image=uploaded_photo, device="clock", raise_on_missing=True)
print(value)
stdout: 2:47
